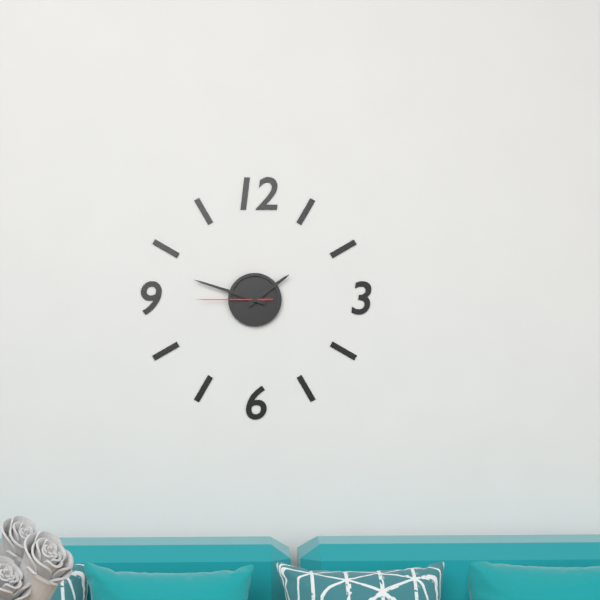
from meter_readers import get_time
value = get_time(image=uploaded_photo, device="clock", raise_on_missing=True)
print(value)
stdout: 1:48:45
